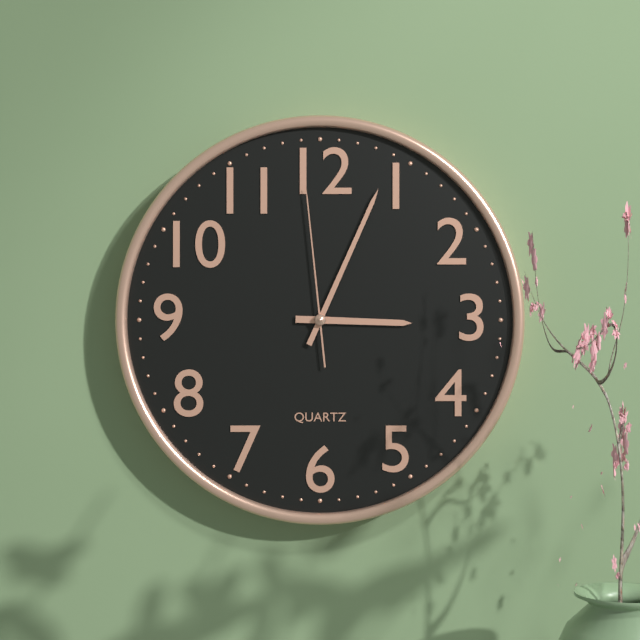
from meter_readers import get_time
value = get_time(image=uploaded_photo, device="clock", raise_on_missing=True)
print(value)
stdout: 3:04:59
